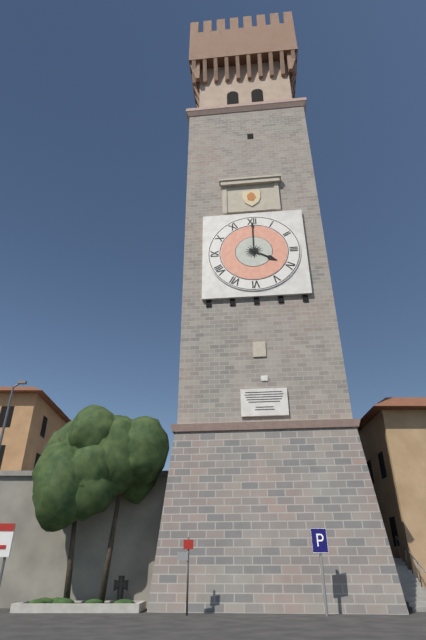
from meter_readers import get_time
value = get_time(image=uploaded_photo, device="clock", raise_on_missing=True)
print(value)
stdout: 4:00
